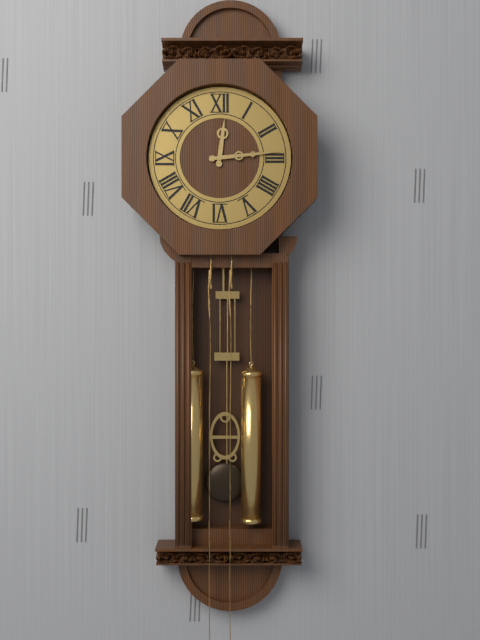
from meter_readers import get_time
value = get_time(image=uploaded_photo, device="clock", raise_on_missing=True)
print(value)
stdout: 12:14
